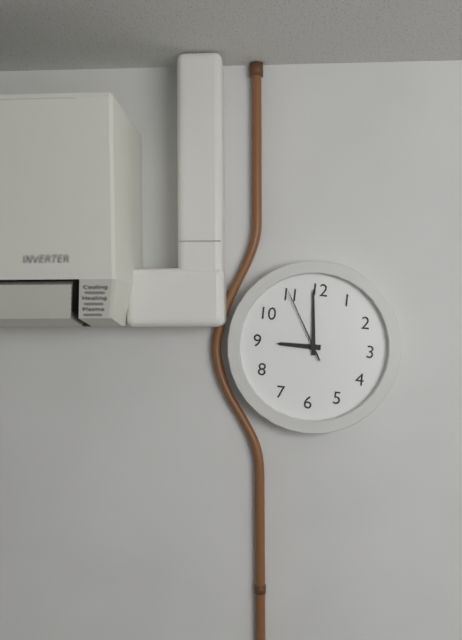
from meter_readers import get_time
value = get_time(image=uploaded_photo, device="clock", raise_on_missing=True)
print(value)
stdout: 8:59:55
